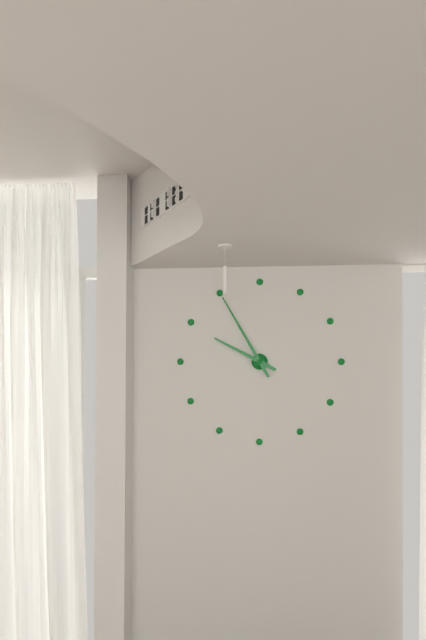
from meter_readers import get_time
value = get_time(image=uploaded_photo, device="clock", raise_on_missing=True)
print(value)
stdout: 9:55
